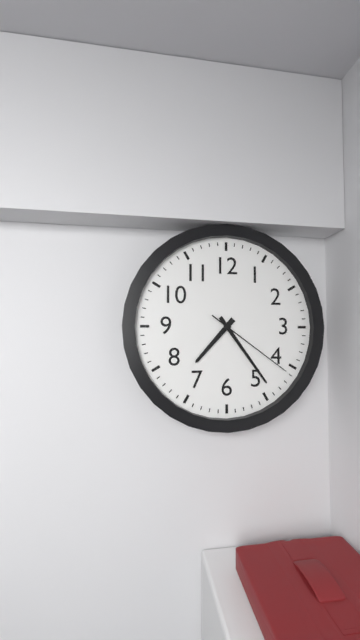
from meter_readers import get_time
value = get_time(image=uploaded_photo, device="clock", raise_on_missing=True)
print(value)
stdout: 7:24:21
